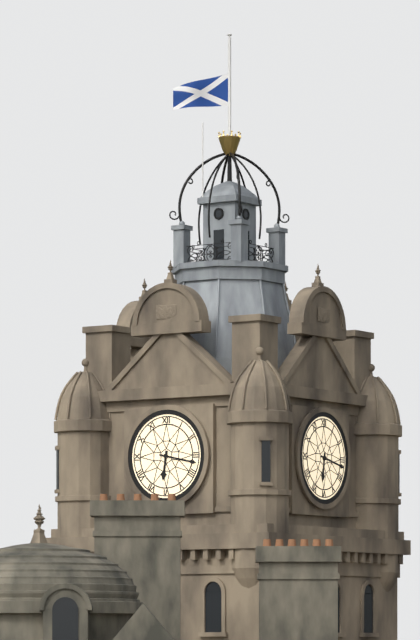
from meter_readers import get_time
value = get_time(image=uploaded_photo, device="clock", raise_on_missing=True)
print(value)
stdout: 6:17
